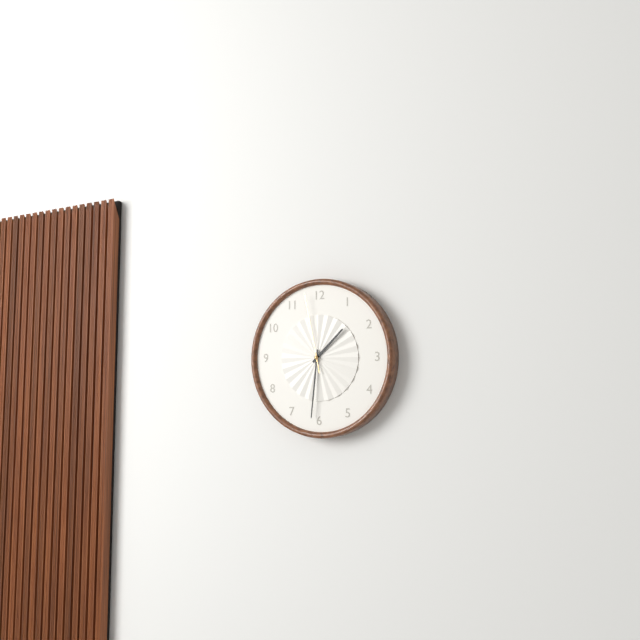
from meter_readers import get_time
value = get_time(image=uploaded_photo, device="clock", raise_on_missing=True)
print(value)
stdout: 1:31:58
